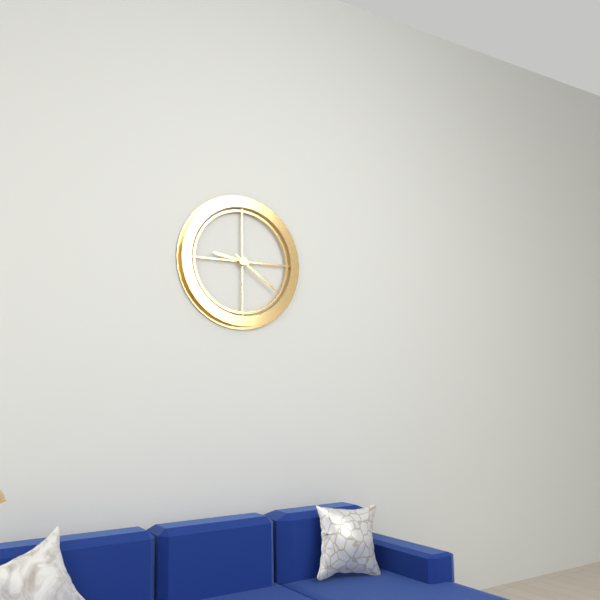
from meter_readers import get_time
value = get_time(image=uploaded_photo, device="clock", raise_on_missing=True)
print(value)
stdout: 9:21
